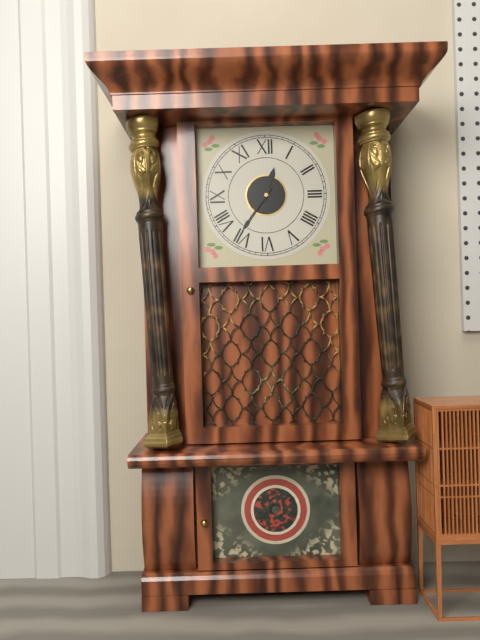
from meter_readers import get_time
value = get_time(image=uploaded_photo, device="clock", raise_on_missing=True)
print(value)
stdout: 12:36
